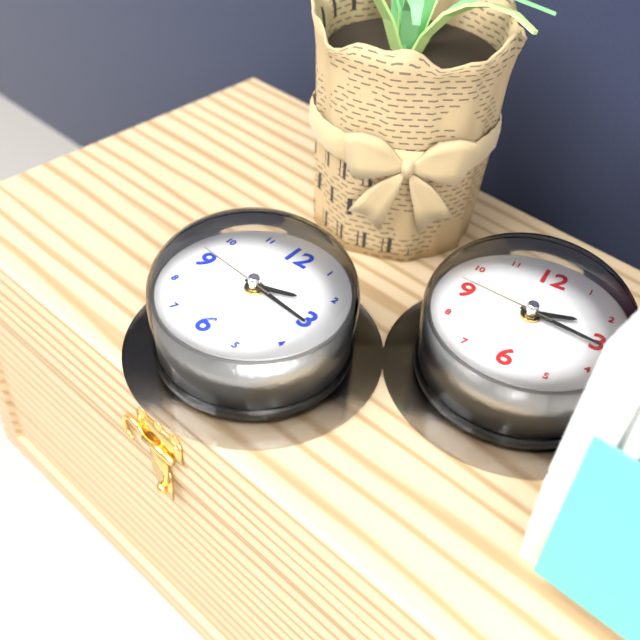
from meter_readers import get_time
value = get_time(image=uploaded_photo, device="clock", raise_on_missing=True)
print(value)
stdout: 2:16:46
